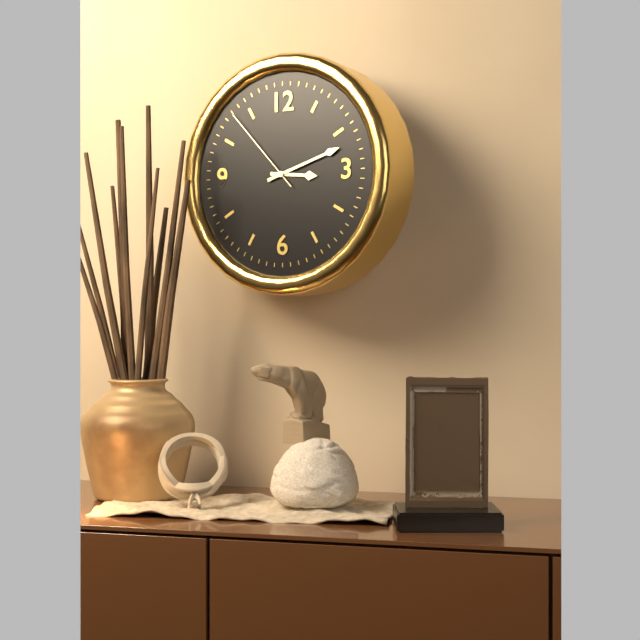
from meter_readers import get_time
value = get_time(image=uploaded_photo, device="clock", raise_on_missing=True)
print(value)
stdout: 3:12:53
